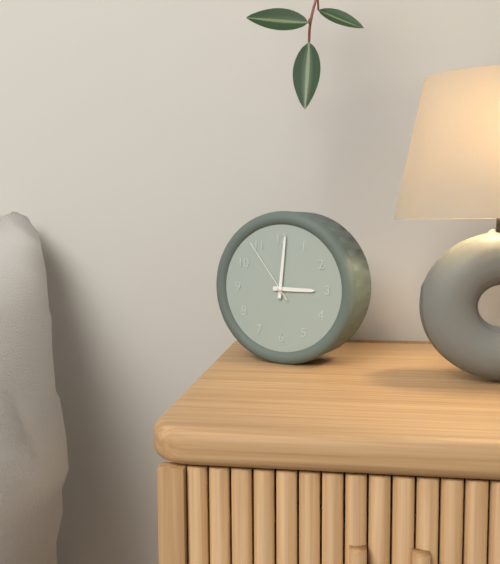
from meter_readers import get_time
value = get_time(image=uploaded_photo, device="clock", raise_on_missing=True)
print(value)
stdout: 3:01:54
